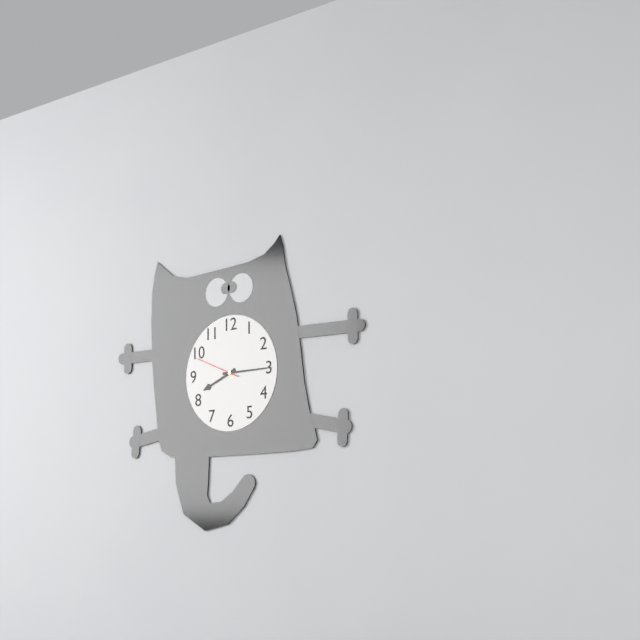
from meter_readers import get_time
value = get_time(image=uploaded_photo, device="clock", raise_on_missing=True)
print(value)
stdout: 8:15
